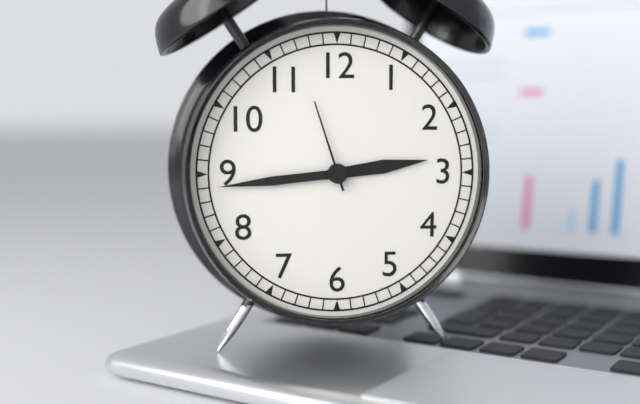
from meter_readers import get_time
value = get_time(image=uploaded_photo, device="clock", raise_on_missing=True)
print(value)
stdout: 2:44:57
